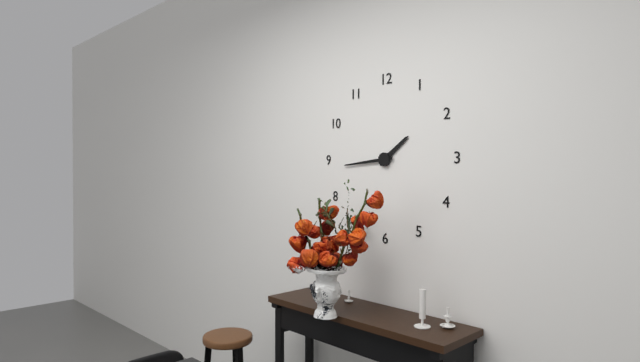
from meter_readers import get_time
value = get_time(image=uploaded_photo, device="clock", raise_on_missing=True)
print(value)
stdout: 1:44
